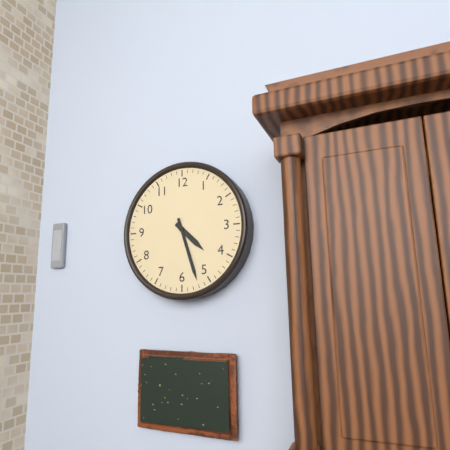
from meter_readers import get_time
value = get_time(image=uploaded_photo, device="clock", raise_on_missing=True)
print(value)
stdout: 4:27
